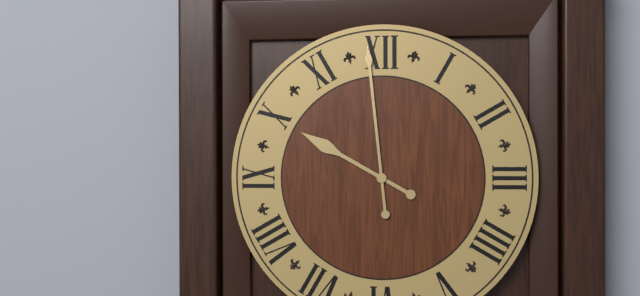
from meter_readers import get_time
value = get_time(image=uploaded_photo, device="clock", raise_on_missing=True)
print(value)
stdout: 9:59
